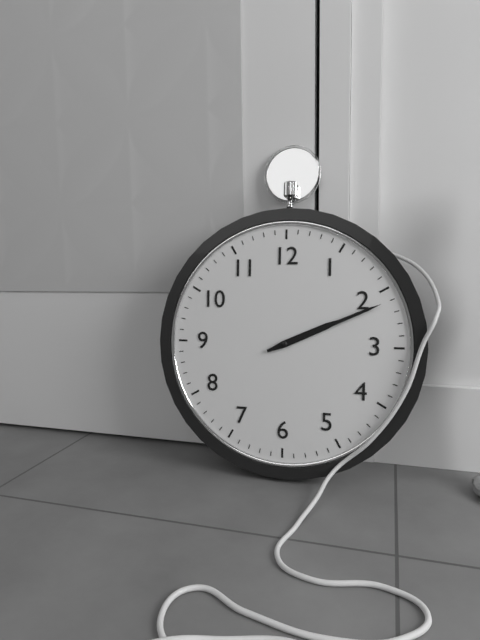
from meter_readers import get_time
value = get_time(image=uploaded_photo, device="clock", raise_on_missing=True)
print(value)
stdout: 2:11
